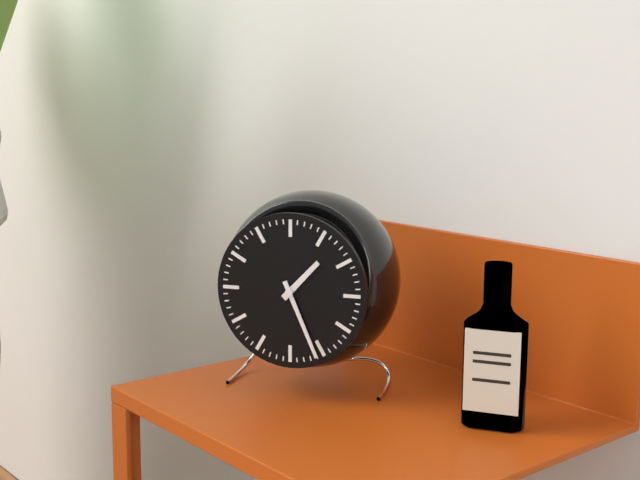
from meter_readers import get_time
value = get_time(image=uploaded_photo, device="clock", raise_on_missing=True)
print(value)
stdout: 1:26
